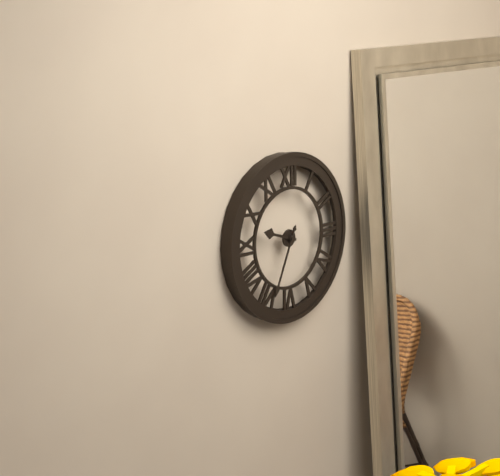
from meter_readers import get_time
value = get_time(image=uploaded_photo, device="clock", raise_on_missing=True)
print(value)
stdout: 9:34
